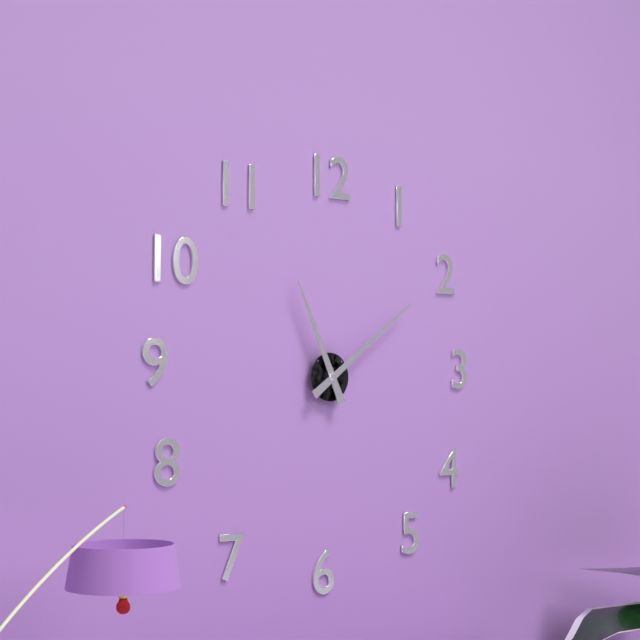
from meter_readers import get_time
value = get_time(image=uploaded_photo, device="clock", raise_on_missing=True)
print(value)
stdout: 11:09
